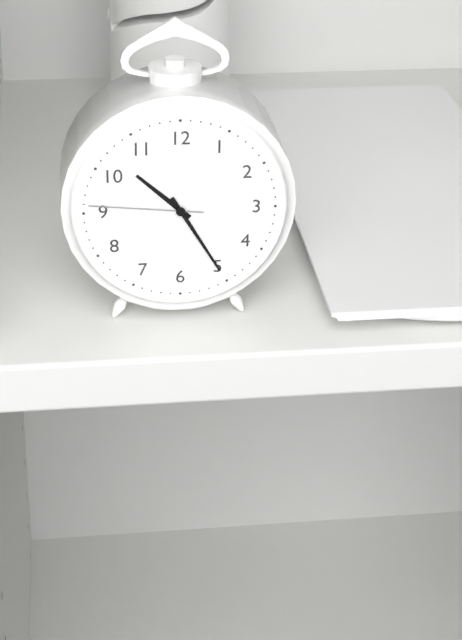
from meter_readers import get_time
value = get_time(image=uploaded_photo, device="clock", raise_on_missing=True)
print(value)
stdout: 10:25:46
